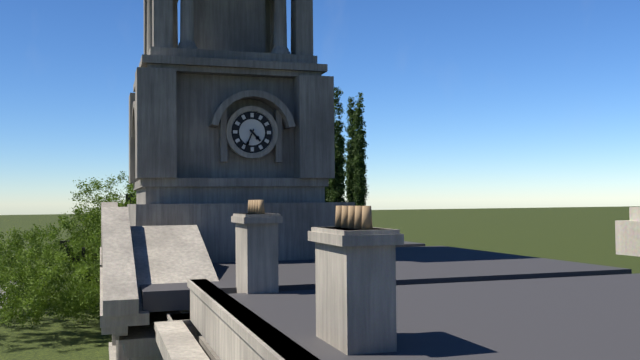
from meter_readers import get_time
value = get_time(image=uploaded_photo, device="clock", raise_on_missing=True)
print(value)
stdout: 4:34
